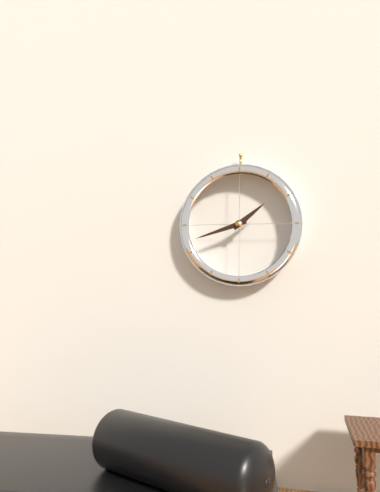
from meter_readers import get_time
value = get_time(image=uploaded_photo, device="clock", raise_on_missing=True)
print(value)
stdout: 1:42
